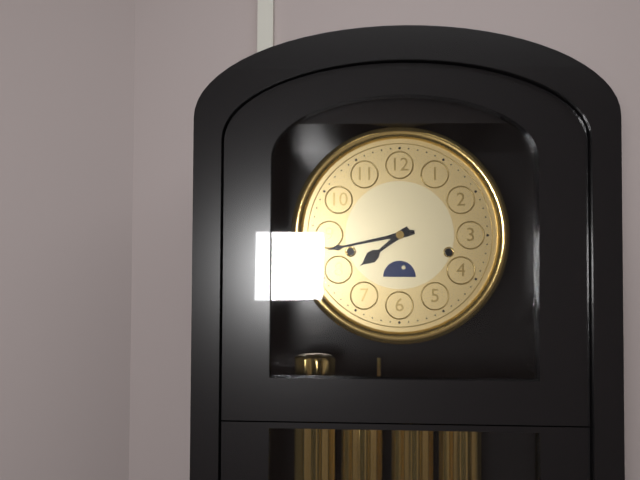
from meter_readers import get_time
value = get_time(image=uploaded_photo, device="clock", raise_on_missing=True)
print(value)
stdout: 7:43
